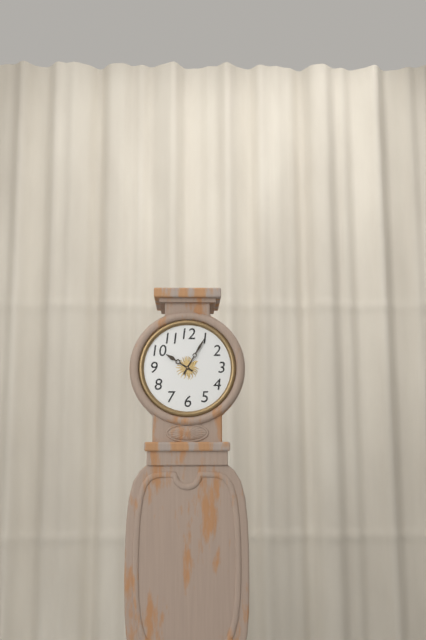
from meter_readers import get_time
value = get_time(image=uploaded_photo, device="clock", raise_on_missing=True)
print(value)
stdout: 10:05
